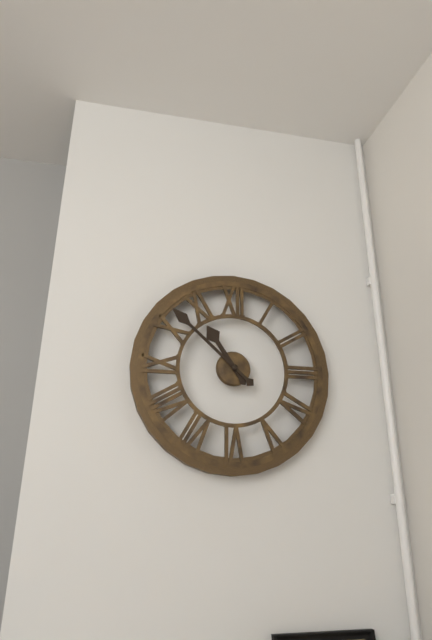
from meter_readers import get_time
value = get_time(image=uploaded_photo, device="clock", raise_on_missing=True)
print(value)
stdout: 10:52
